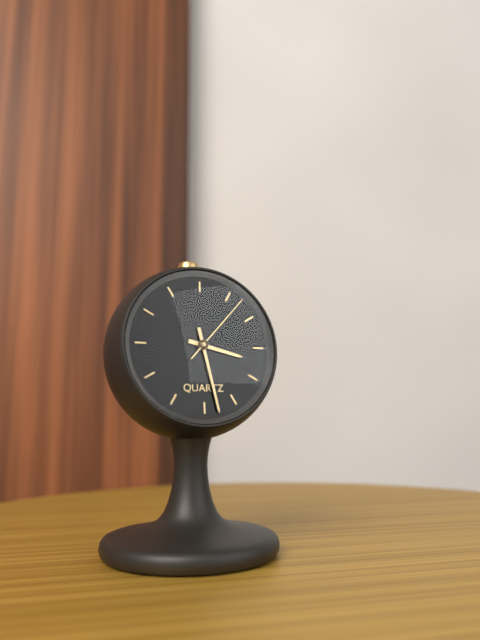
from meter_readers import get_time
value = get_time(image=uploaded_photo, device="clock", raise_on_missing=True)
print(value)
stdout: 3:28:07
